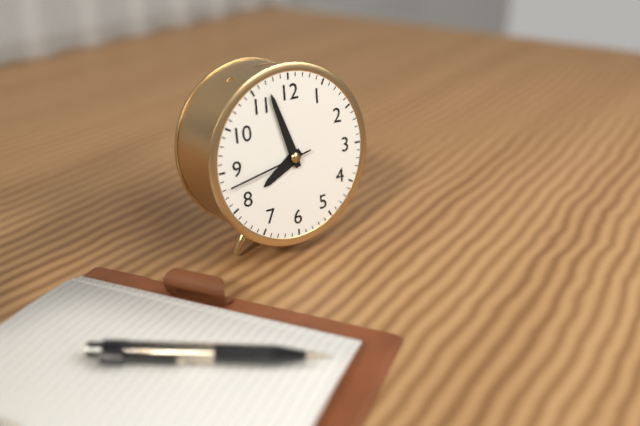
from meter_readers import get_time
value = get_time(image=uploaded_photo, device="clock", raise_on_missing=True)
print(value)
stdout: 7:57:43
